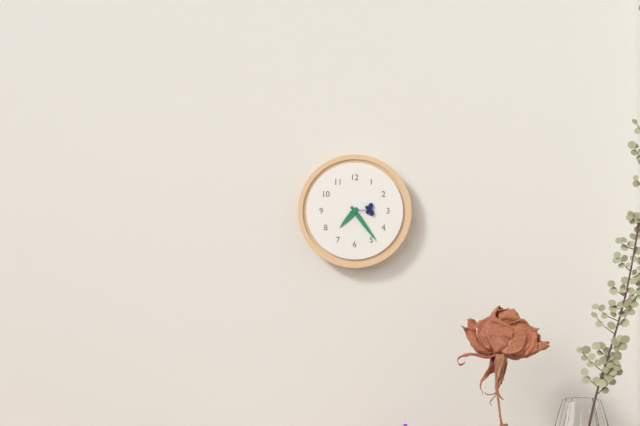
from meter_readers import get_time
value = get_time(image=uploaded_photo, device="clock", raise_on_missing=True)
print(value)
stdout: 7:24
